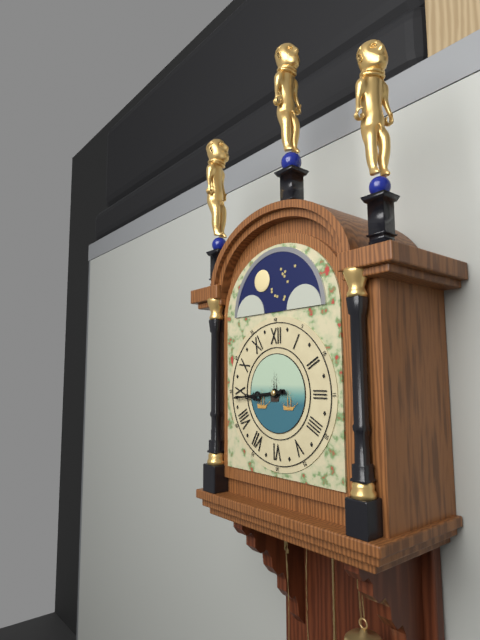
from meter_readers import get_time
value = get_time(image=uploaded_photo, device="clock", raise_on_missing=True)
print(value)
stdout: 8:44
